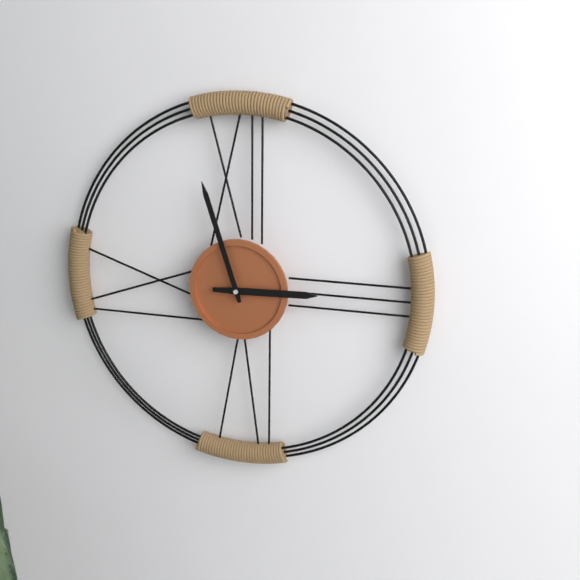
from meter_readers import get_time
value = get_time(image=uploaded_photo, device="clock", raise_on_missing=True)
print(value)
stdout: 2:57
